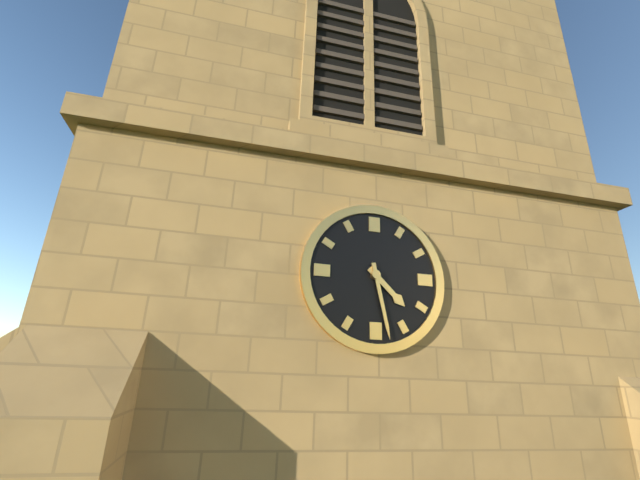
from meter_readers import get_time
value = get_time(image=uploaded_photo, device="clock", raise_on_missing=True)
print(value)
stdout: 4:28
